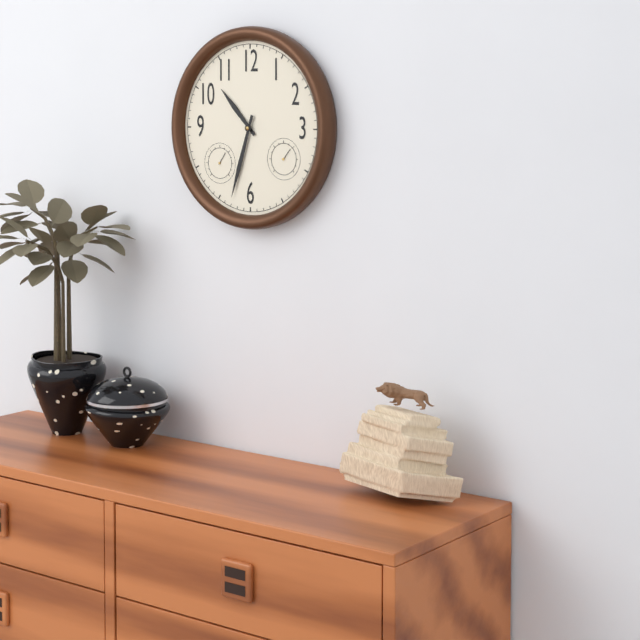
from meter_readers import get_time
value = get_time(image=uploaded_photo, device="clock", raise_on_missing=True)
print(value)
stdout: 10:33
